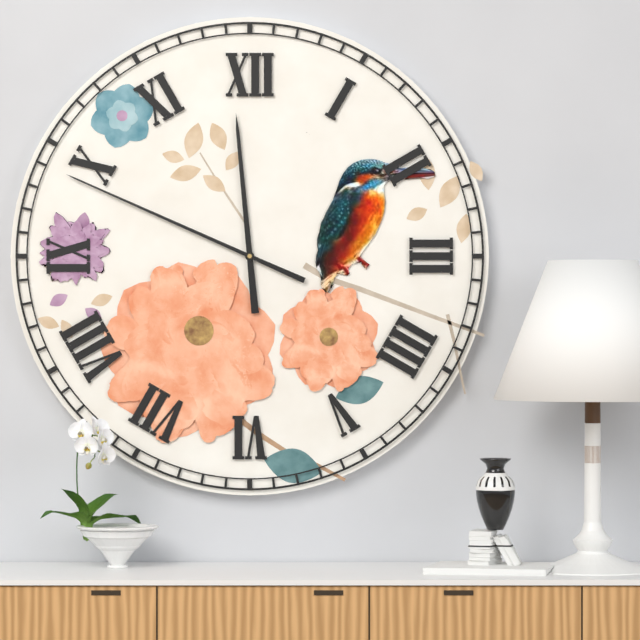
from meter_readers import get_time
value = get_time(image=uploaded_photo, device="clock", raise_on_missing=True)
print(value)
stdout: 11:49
